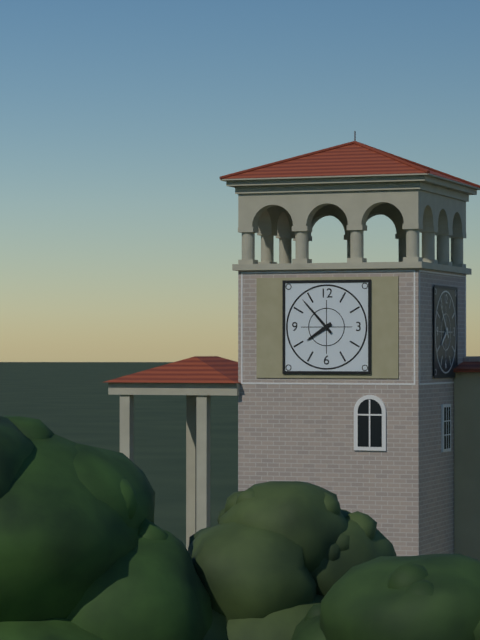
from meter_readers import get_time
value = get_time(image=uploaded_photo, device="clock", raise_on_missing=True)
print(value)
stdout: 7:53
